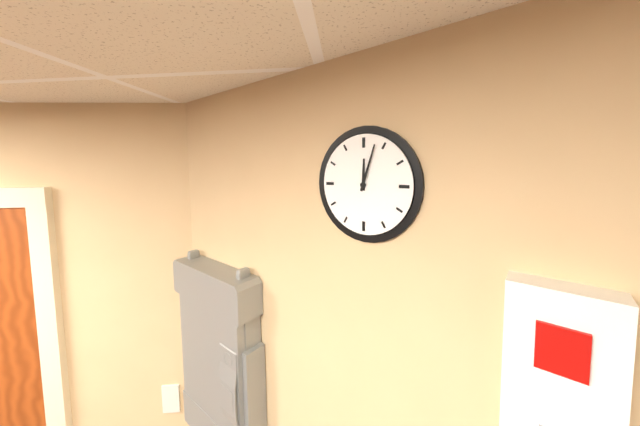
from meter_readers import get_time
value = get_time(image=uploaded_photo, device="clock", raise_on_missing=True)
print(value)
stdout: 12:03
